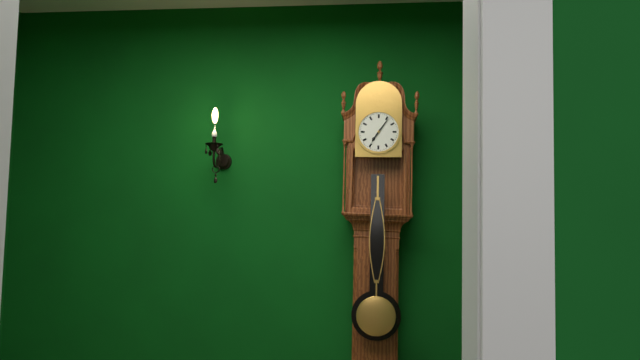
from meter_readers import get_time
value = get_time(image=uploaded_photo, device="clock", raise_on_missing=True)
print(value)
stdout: 7:06
